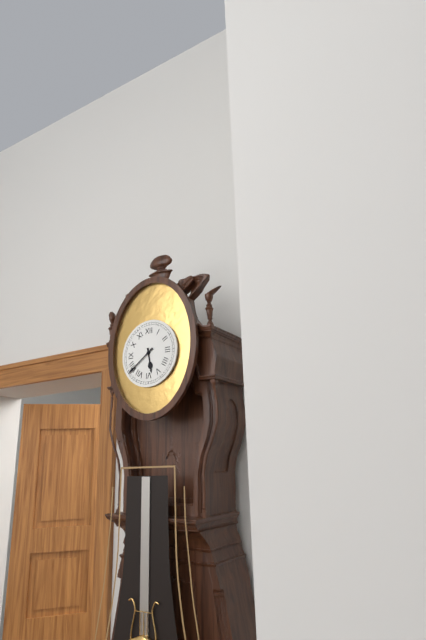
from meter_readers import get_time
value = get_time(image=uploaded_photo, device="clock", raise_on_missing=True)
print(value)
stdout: 5:39
